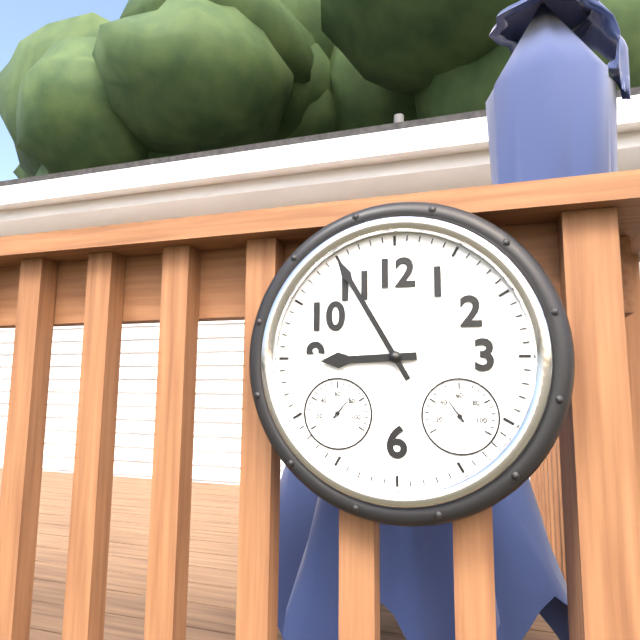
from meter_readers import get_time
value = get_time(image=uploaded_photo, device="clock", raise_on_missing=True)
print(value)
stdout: 8:55
